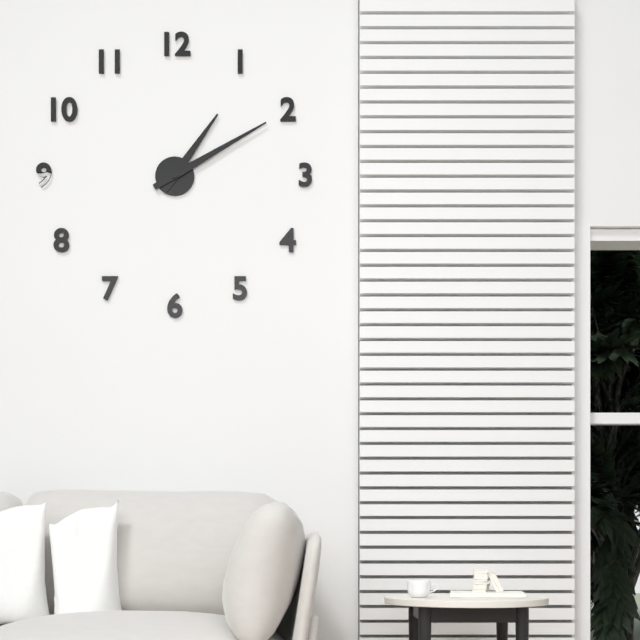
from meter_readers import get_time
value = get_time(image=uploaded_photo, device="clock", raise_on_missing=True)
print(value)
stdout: 1:10
